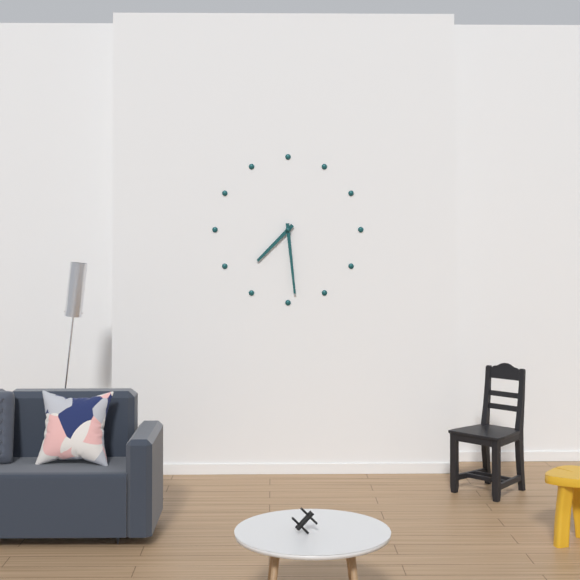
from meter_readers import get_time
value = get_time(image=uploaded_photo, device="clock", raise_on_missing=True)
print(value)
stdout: 7:29
